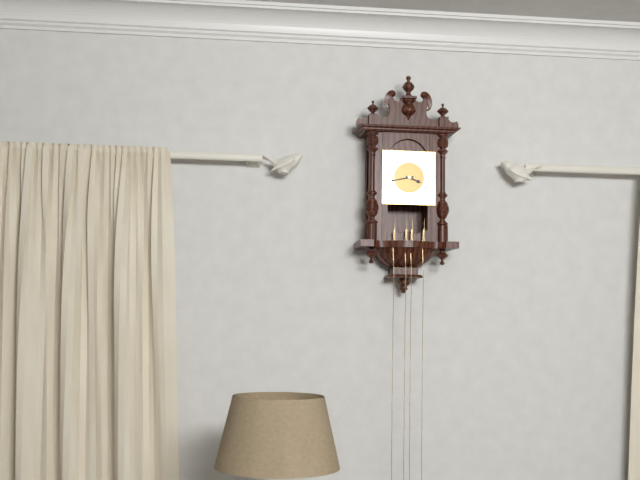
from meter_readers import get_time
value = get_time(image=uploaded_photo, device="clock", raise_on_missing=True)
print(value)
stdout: 3:43
